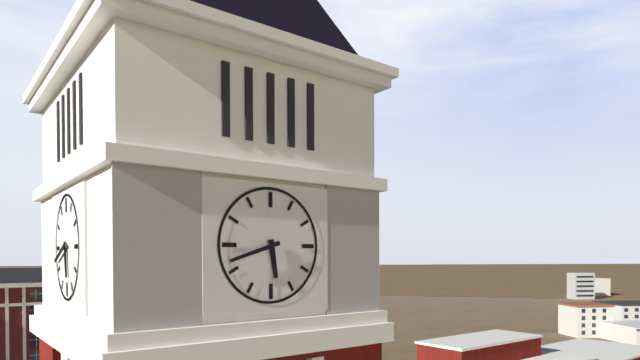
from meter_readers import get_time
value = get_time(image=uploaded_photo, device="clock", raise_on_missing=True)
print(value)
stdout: 5:42
